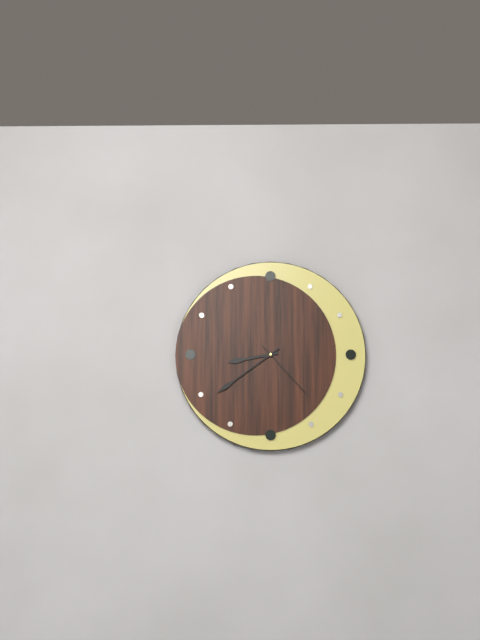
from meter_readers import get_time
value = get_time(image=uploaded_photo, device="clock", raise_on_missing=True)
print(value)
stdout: 8:39:23
